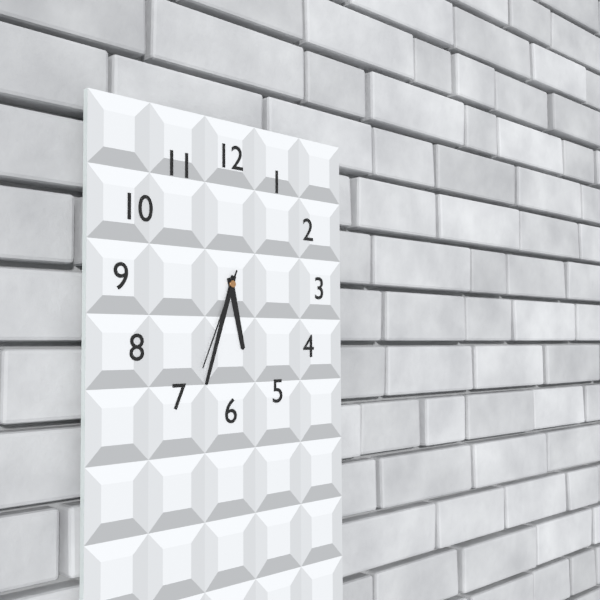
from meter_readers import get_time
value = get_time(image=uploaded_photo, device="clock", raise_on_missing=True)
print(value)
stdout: 5:33:34
